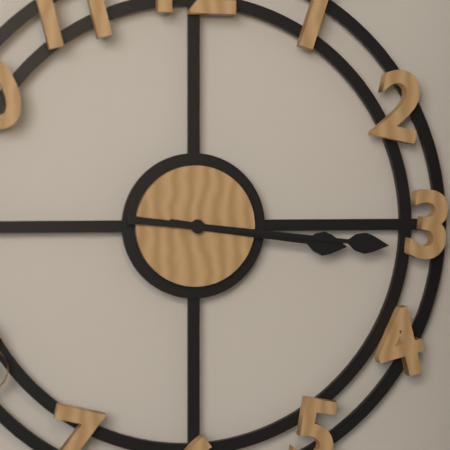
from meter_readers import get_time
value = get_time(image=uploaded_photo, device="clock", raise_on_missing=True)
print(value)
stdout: 3:16
